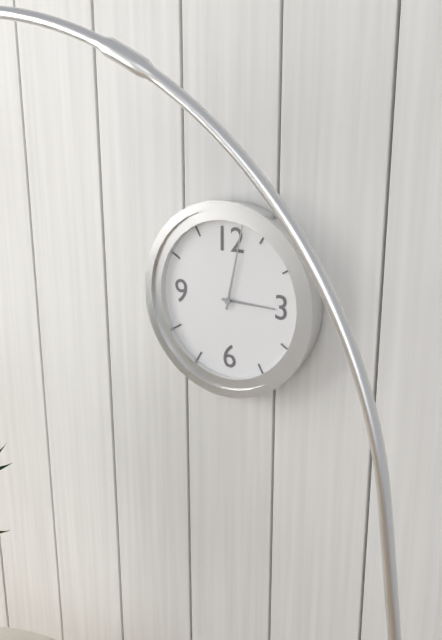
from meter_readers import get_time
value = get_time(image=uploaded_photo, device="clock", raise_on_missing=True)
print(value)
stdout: 3:02
